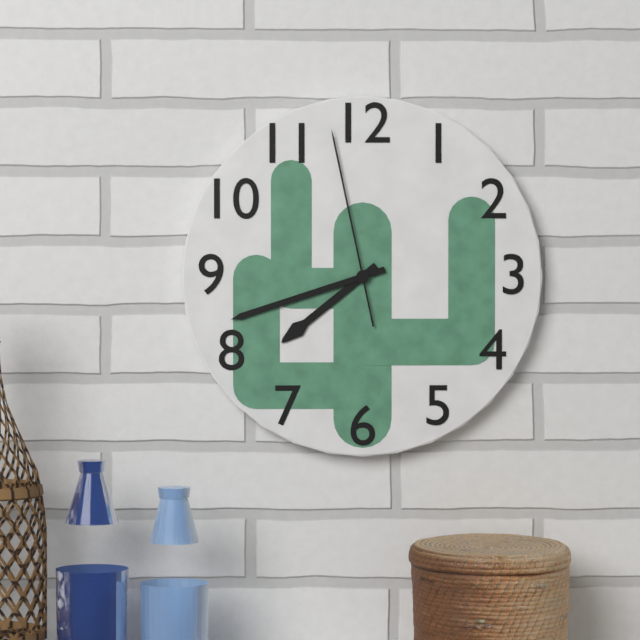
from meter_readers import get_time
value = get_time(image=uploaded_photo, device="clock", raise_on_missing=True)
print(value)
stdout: 7:42:58
